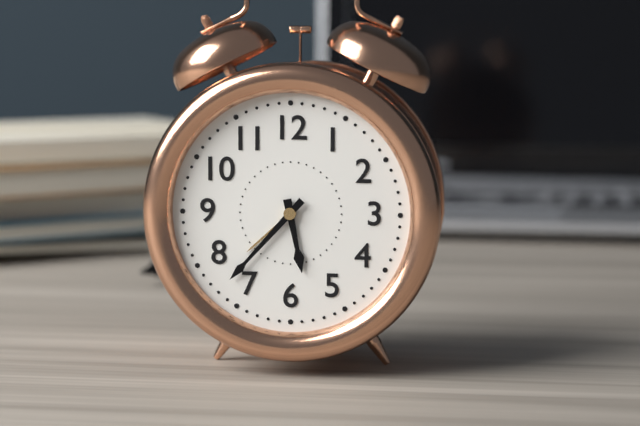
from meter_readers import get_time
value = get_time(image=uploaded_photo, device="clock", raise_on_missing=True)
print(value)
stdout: 5:37
